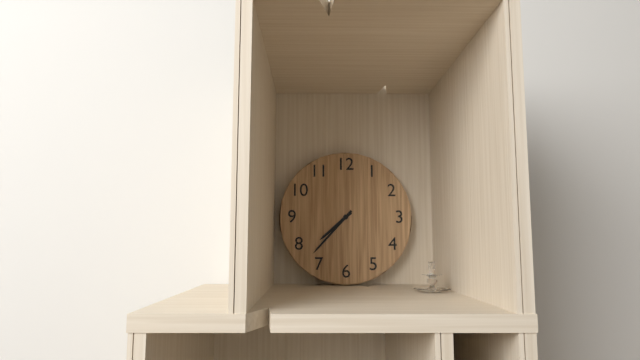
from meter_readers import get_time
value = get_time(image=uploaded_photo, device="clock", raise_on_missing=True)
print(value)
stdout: 7:37
